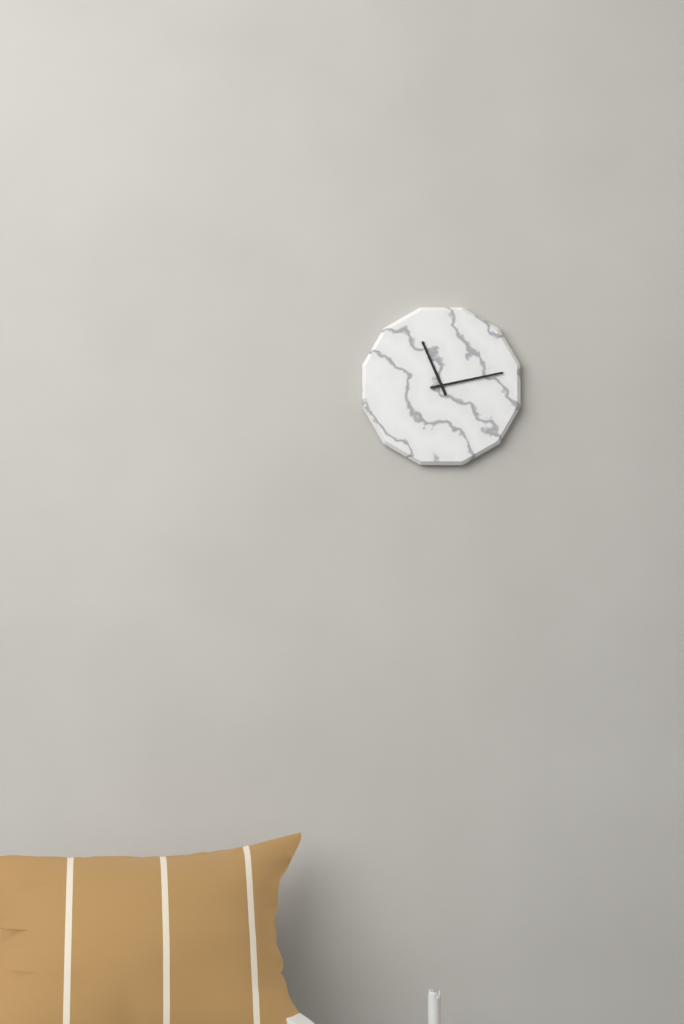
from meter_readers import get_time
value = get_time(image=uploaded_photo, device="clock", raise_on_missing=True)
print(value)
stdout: 11:13
